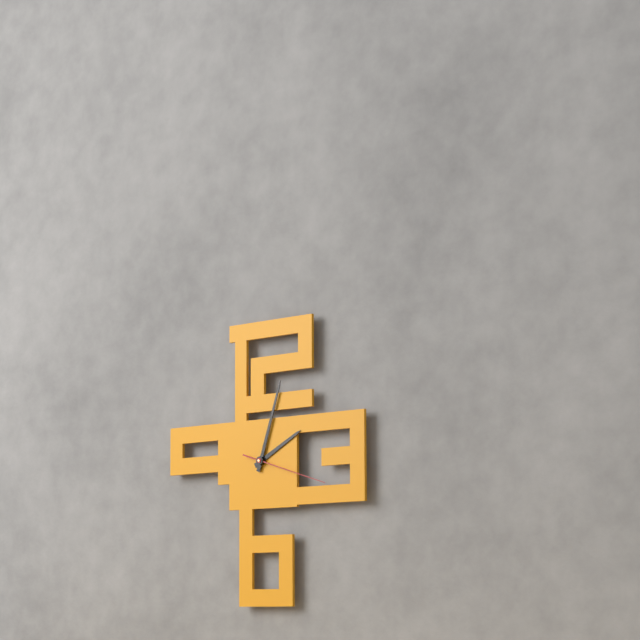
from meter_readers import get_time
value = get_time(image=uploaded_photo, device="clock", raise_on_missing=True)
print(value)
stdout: 2:03:18
